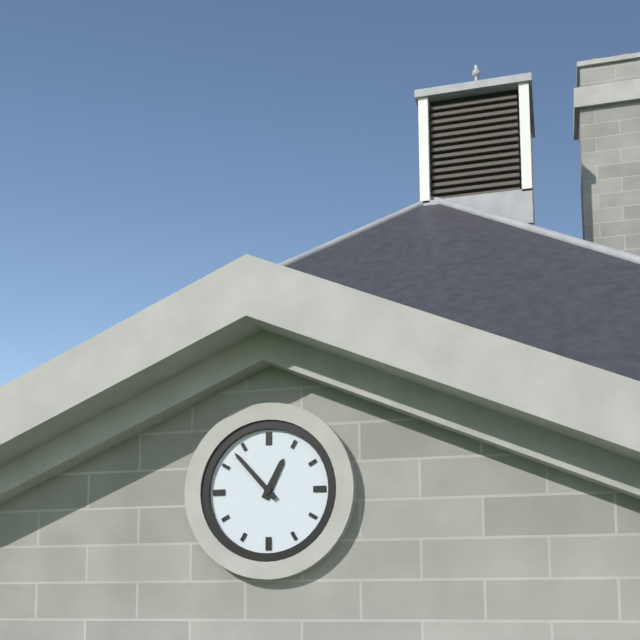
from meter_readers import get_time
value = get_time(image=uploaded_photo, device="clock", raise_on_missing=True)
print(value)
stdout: 12:53
